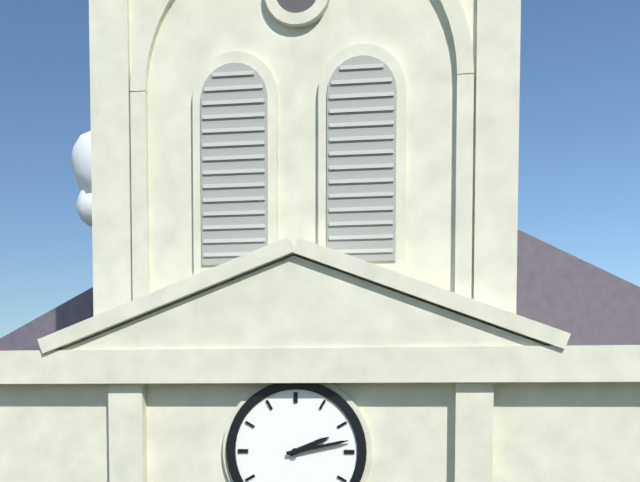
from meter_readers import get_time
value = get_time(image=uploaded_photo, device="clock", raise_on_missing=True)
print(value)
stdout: 2:13
